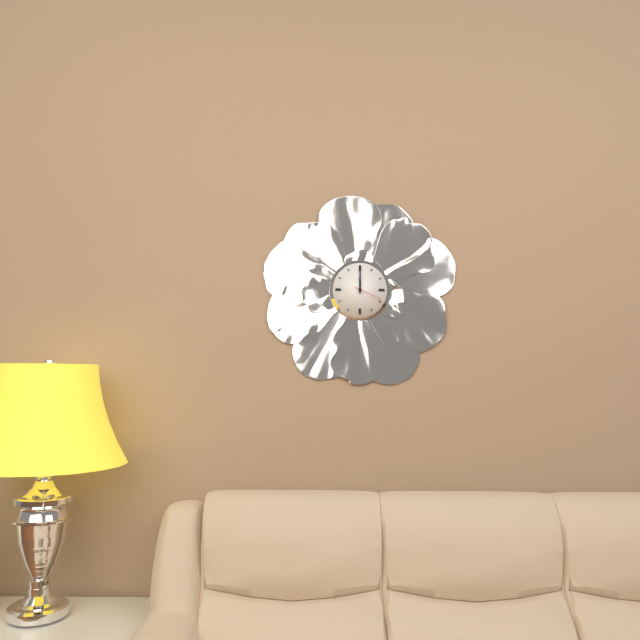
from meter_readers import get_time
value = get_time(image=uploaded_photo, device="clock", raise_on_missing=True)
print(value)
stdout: 12:00
